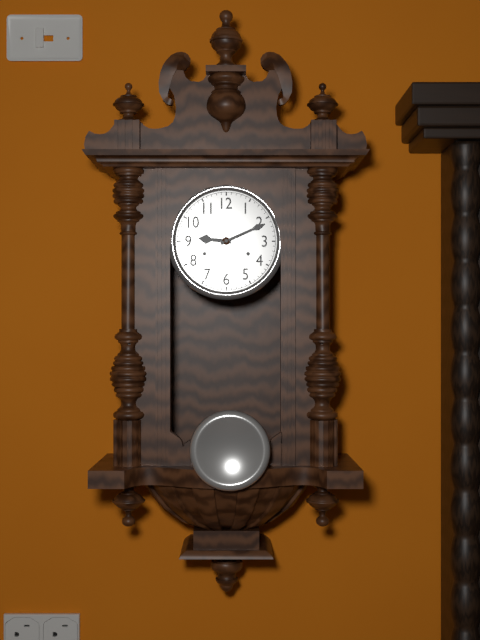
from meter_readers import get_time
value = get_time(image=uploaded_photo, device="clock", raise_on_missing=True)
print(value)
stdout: 9:11
